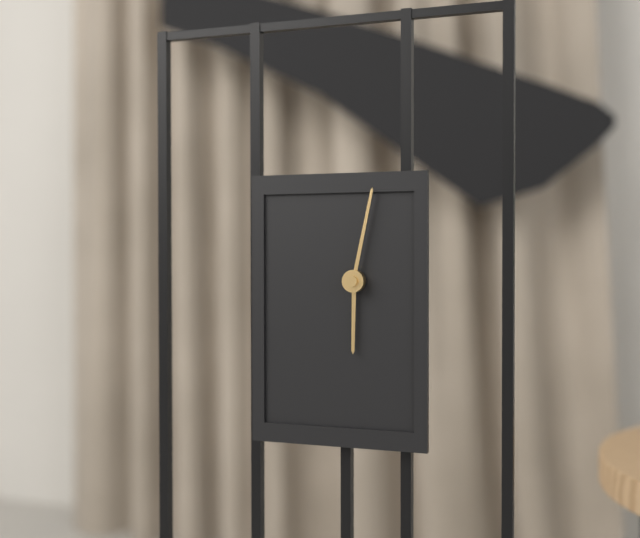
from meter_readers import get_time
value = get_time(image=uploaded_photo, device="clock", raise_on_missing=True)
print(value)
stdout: 6:02
